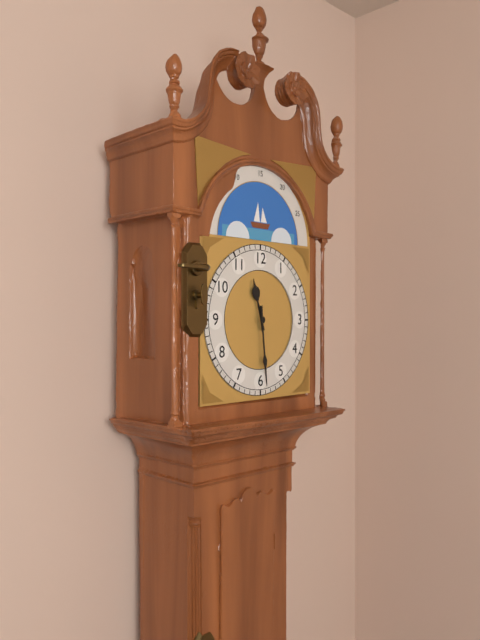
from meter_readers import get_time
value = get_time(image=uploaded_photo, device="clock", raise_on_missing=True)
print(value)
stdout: 11:29
